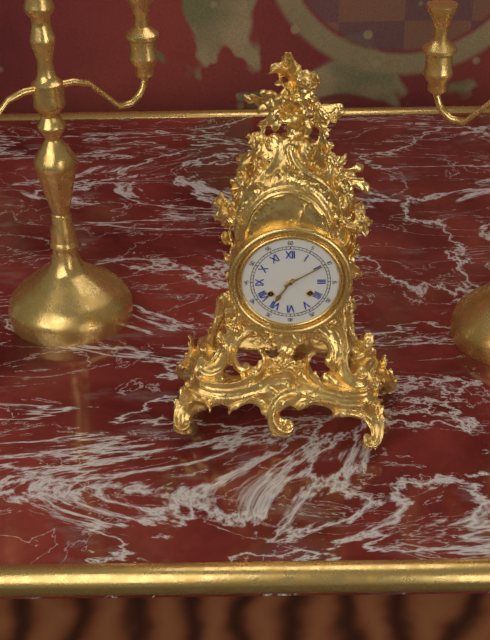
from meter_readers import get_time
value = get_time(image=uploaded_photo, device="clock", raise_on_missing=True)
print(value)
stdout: 7:10
